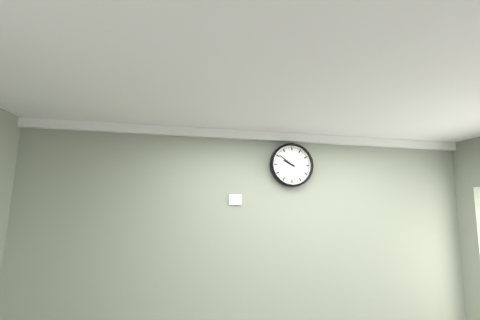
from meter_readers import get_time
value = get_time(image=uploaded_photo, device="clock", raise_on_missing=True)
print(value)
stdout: 9:51
